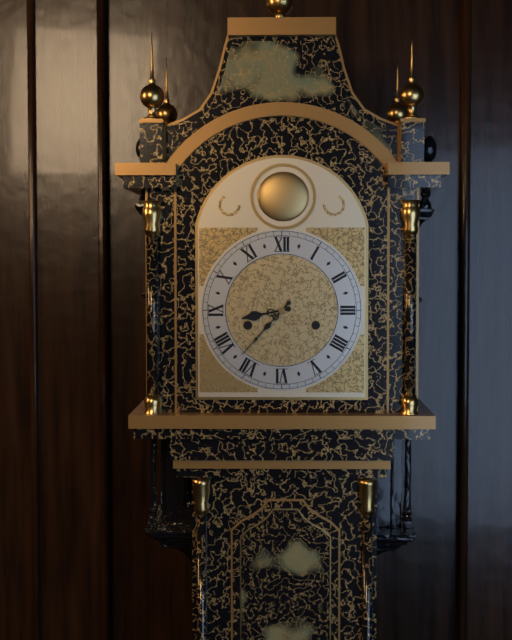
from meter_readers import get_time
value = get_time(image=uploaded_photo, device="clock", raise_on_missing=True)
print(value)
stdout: 8:37
